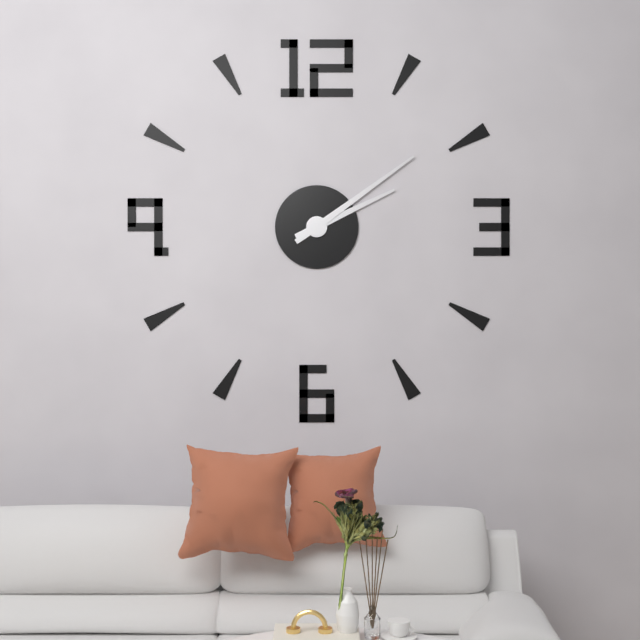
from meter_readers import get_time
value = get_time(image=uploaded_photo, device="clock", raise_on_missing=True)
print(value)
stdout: 2:09
